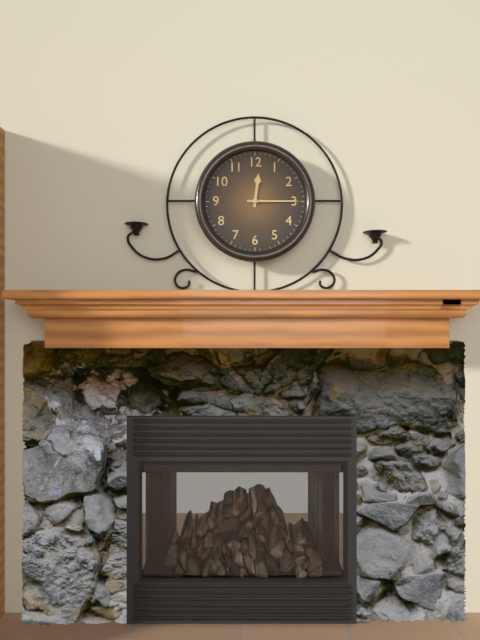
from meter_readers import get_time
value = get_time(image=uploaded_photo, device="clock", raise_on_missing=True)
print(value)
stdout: 12:15
